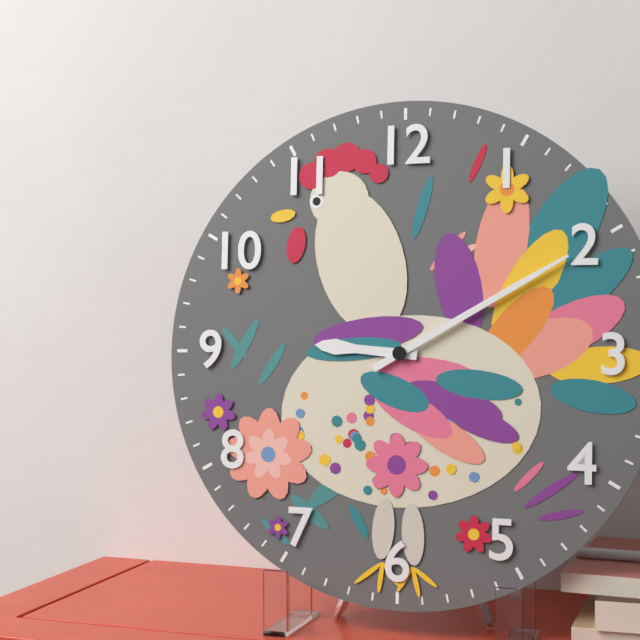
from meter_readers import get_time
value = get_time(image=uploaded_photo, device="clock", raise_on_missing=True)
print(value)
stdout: 9:10
